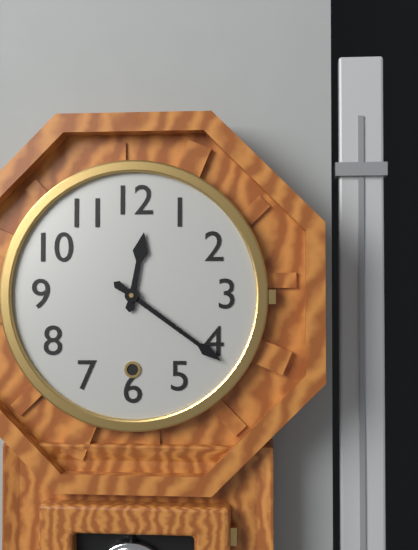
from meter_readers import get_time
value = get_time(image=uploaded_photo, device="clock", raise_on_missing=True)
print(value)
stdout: 12:21
